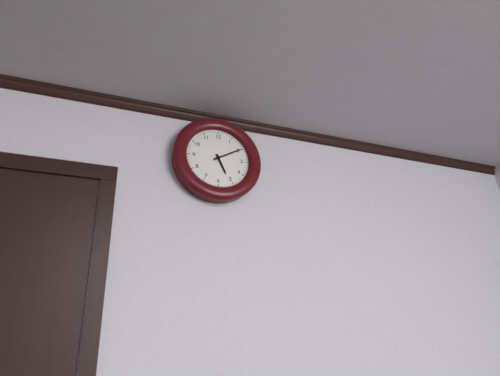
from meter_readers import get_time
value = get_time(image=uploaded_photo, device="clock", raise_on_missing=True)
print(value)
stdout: 5:10
